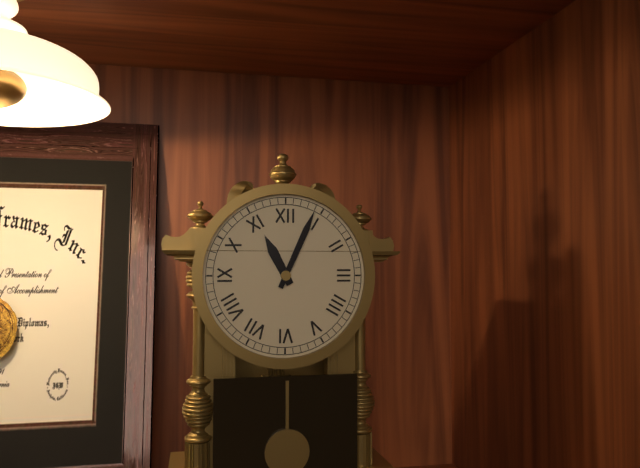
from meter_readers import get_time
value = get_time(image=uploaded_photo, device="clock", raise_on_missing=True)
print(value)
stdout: 11:04
